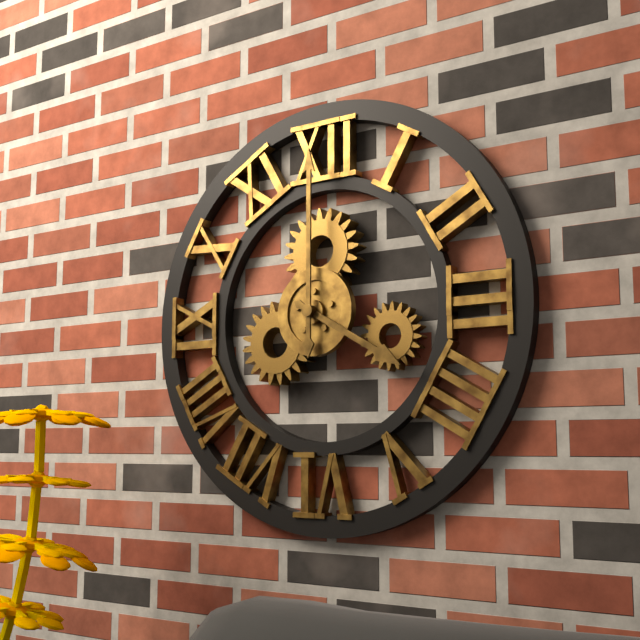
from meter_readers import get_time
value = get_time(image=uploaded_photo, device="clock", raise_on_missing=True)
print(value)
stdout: 4:00
